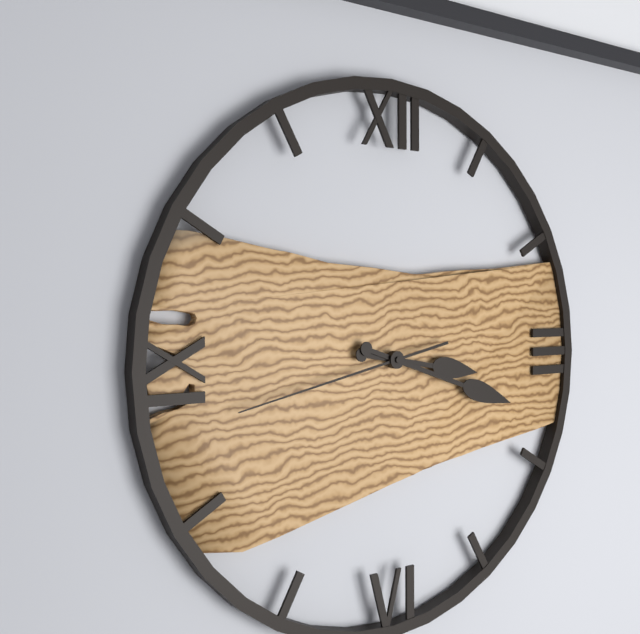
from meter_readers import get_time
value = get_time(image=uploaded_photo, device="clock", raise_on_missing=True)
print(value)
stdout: 3:18:43
